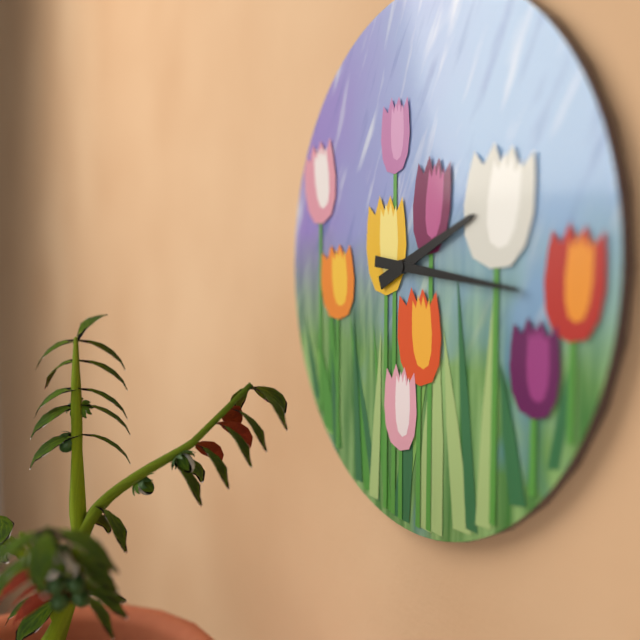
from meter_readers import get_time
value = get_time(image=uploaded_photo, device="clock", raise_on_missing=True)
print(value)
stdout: 2:16
